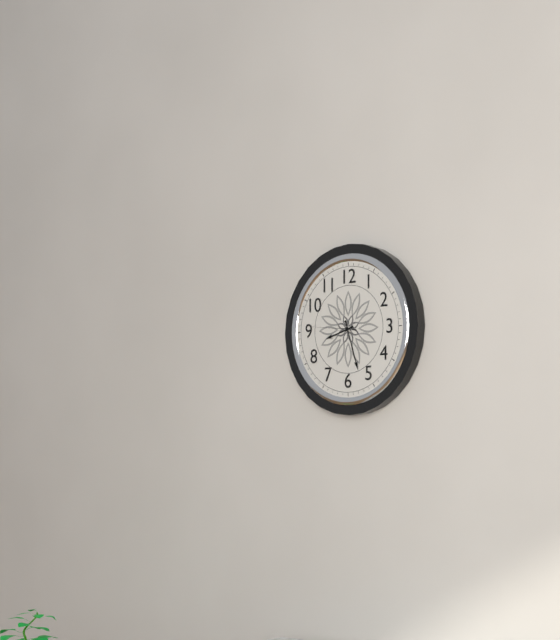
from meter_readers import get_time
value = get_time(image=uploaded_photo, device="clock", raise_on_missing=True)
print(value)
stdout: 8:27
